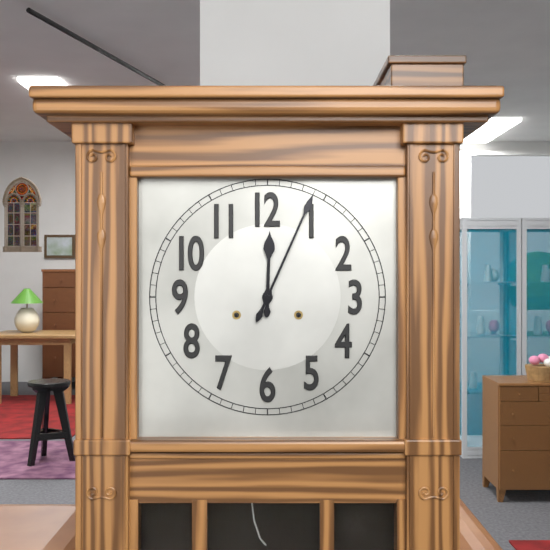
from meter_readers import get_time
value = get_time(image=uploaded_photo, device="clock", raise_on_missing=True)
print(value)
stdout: 12:04
